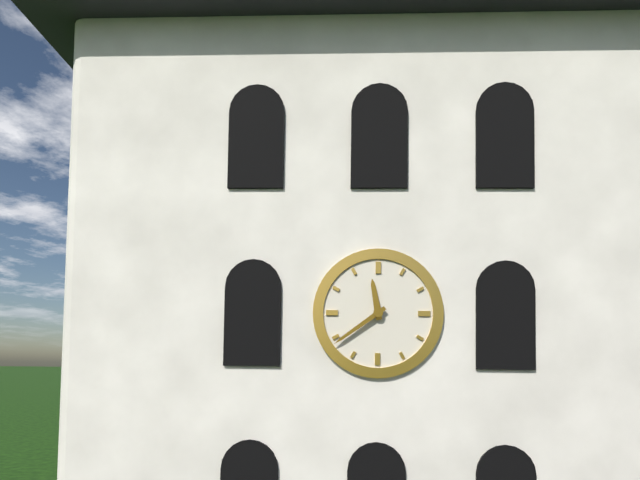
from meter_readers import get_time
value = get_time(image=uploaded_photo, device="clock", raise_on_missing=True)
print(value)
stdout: 11:39
